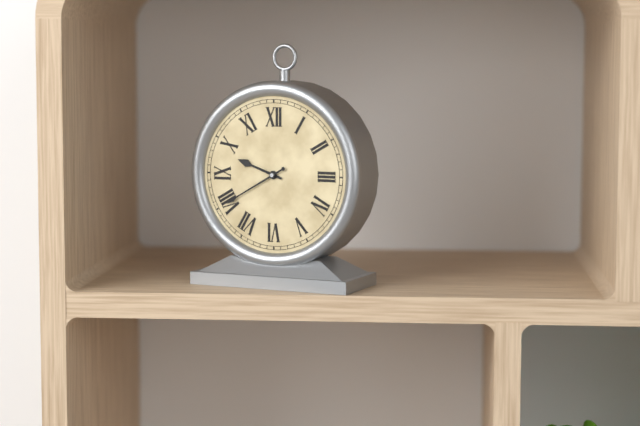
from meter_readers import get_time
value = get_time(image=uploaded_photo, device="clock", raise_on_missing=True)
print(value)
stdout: 9:40
